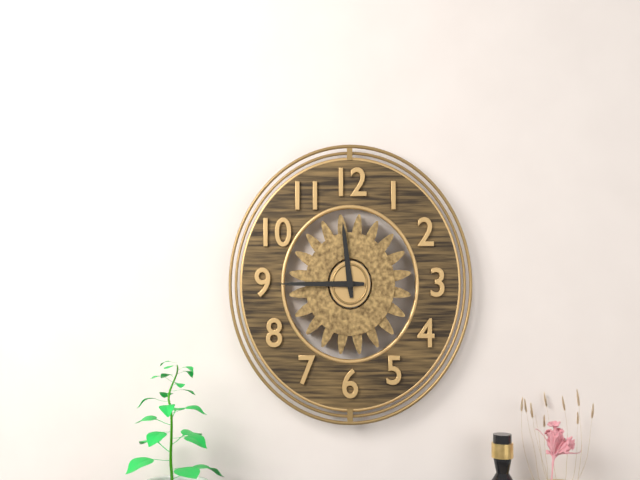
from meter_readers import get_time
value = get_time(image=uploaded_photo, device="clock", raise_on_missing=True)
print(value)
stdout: 11:45
